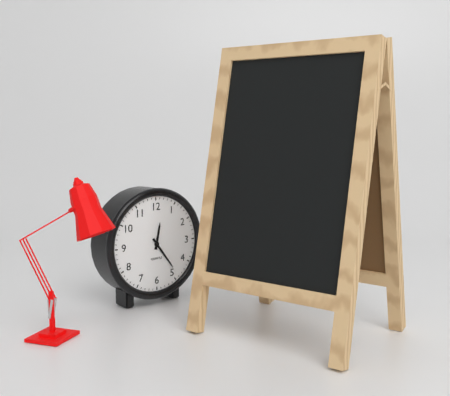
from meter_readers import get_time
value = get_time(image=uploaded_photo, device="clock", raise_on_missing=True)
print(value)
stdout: 12:24
